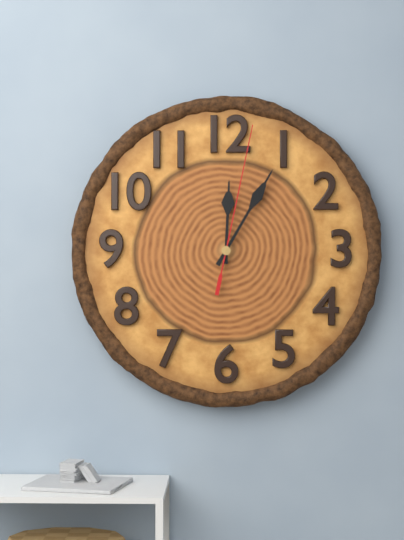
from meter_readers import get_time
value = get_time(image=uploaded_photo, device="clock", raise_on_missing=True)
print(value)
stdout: 12:05:02
